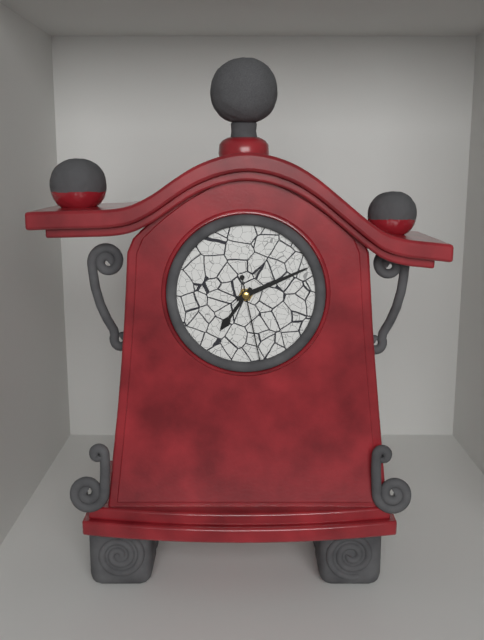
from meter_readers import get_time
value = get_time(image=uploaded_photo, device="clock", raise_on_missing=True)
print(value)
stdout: 7:11:28
